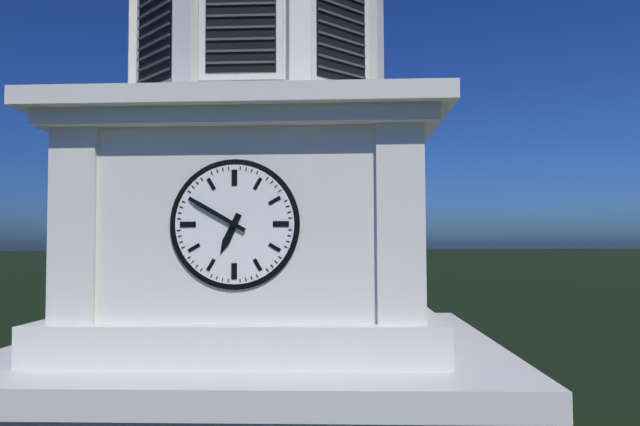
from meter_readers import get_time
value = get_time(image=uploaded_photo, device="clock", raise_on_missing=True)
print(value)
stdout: 6:50
